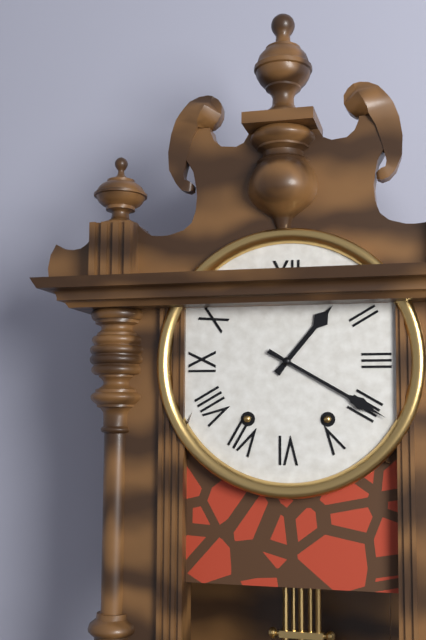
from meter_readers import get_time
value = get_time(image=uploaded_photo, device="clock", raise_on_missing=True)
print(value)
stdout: 1:20
